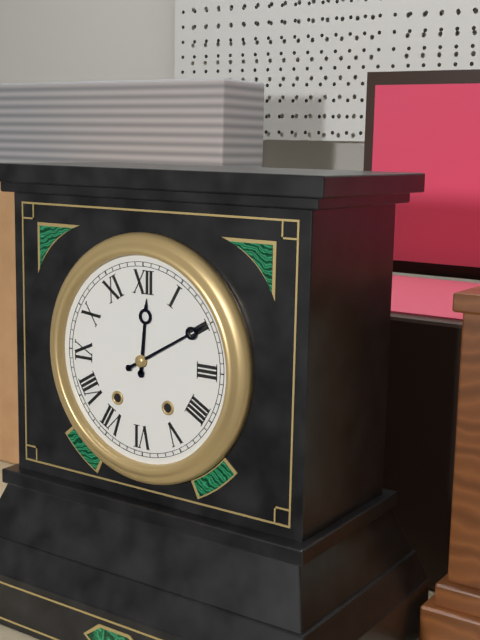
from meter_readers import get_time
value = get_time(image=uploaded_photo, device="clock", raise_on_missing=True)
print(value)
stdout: 12:10
